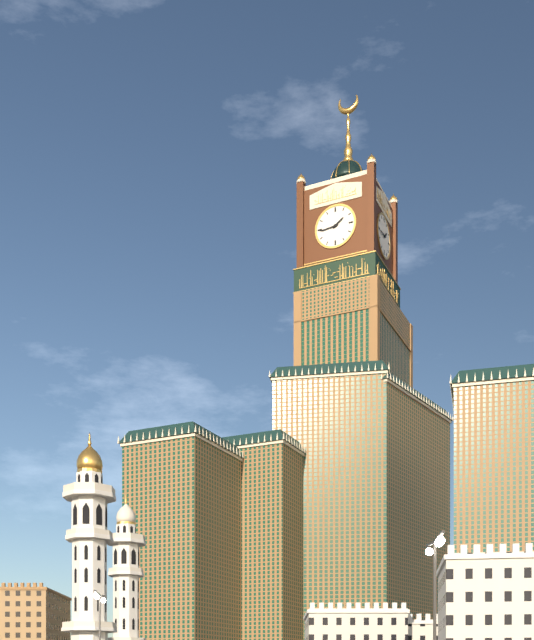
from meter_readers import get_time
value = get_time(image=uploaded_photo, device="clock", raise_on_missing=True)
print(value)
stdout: 1:44
